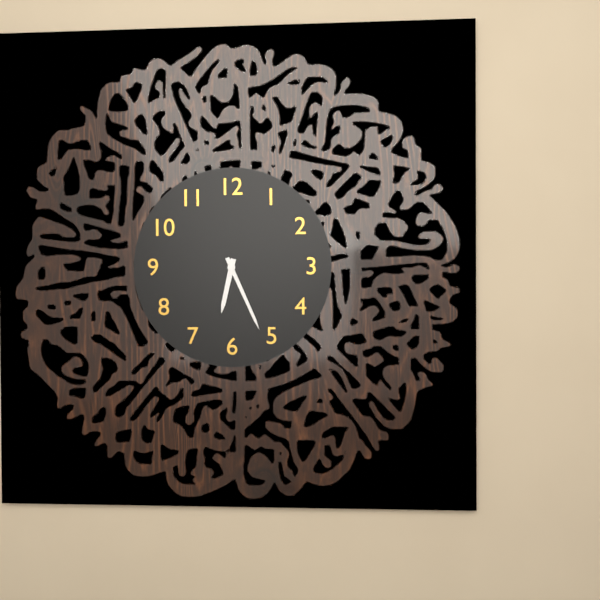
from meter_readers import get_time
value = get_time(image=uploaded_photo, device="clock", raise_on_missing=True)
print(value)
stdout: 6:26
